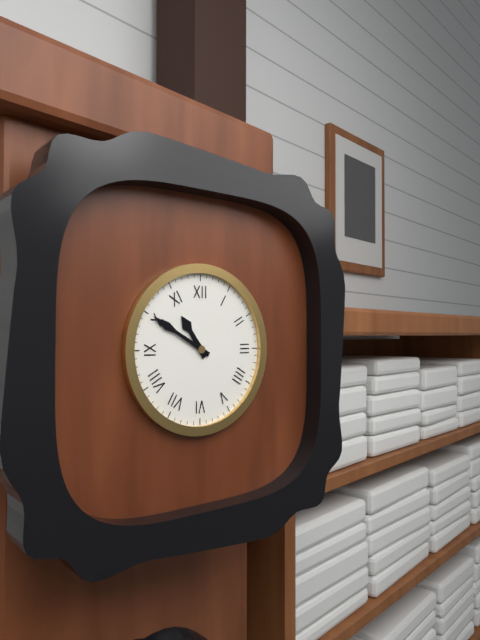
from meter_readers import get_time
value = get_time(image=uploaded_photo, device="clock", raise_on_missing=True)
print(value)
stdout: 10:50
